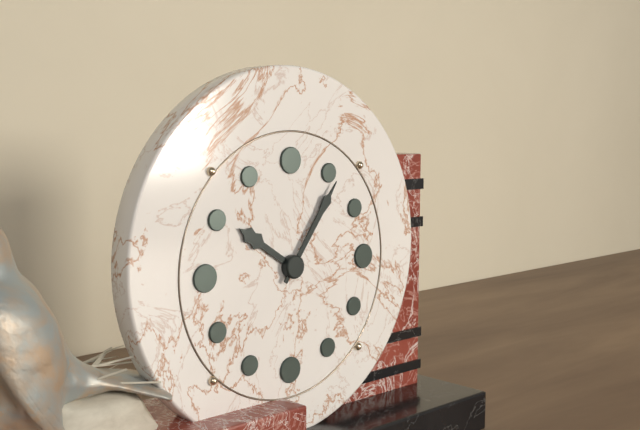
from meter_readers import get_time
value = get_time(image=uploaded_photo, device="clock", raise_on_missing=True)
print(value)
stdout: 10:06
